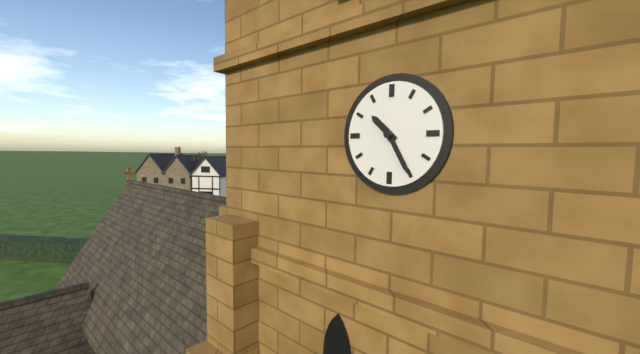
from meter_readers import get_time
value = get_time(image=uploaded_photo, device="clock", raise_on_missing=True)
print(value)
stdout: 10:25
